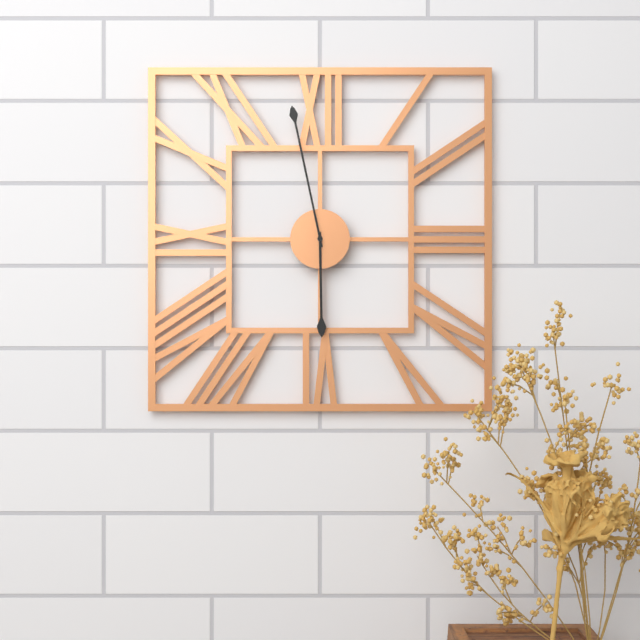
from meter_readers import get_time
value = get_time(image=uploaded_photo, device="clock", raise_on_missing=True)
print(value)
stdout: 5:58
